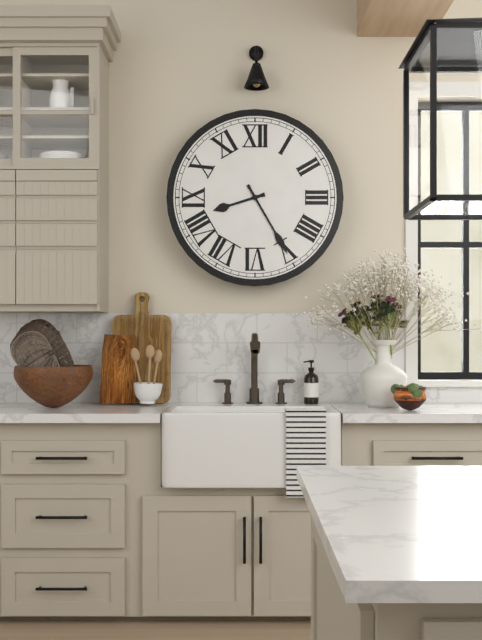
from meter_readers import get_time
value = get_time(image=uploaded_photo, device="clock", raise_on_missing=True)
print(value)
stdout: 8:25
